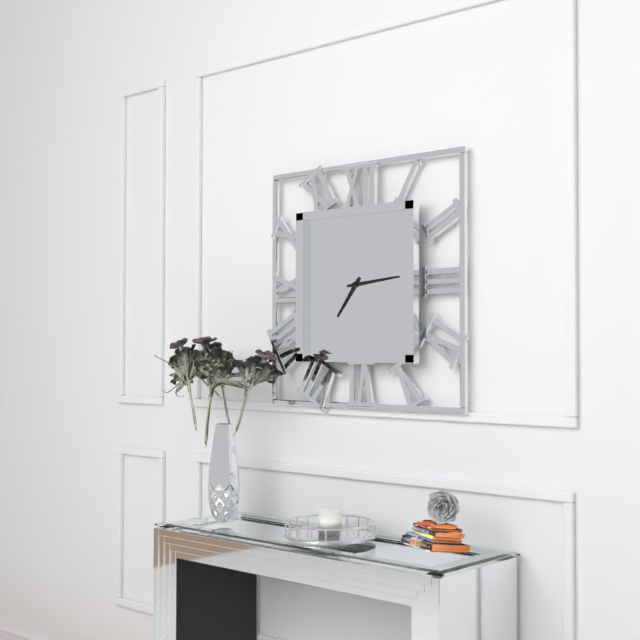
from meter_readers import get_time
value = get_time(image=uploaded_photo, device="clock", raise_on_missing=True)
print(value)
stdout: 7:14
